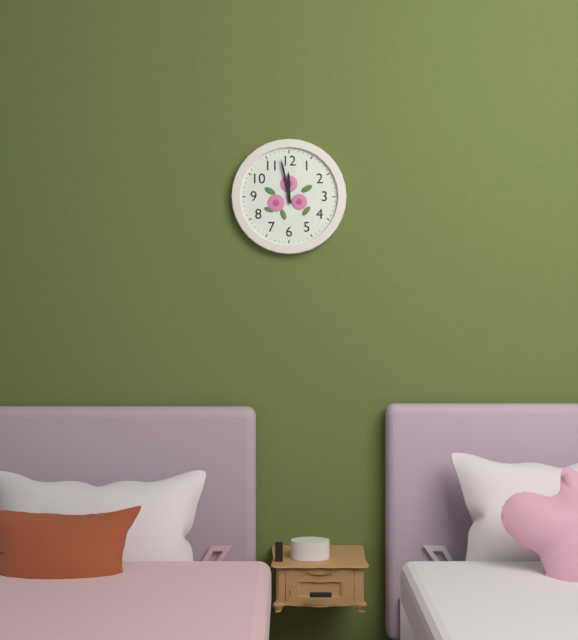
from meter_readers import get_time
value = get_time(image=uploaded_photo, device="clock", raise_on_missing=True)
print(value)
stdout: 11:58
